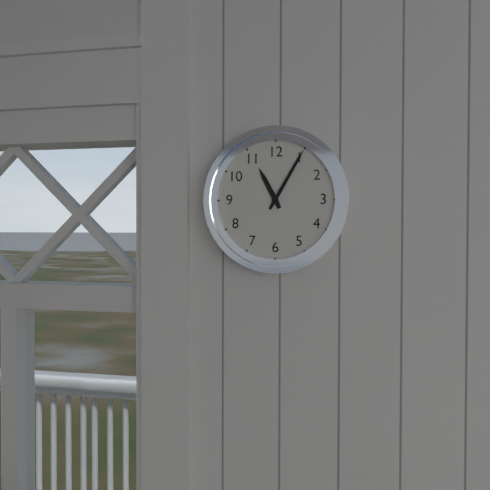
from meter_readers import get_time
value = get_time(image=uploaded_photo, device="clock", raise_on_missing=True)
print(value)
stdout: 11:05
